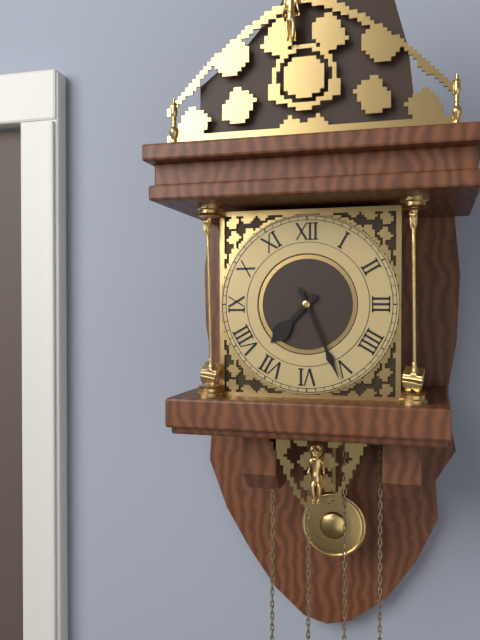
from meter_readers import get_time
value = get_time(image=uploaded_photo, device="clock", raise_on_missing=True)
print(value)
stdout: 7:26
